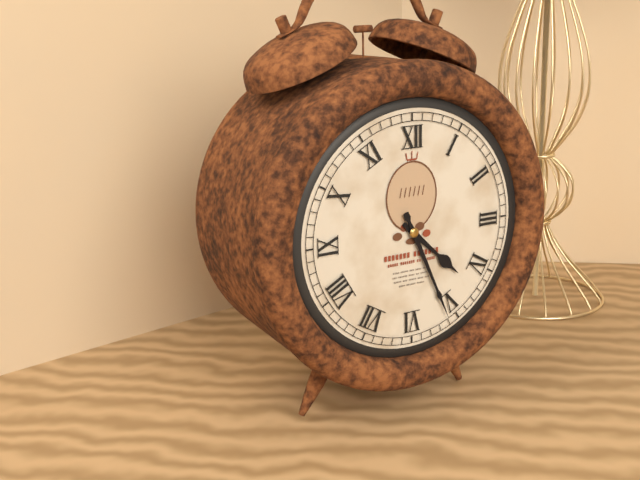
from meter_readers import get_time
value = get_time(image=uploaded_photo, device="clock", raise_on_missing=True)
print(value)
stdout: 4:26
